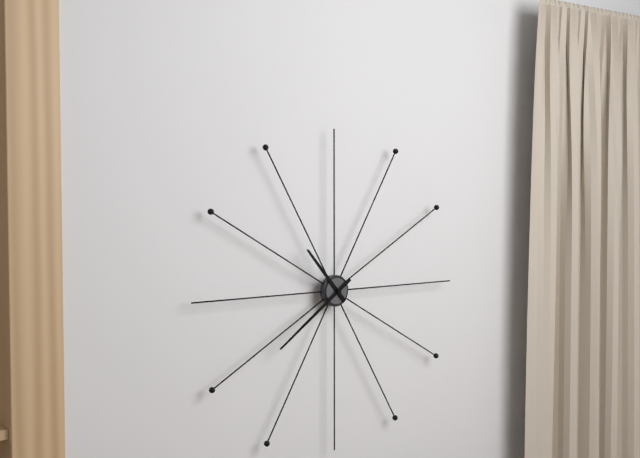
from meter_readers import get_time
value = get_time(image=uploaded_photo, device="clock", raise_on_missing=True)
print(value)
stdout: 10:39
